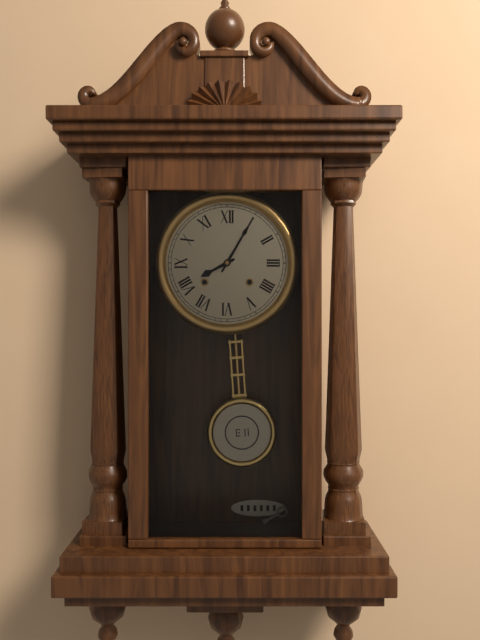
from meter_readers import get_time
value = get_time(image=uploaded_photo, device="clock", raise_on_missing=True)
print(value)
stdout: 8:05
